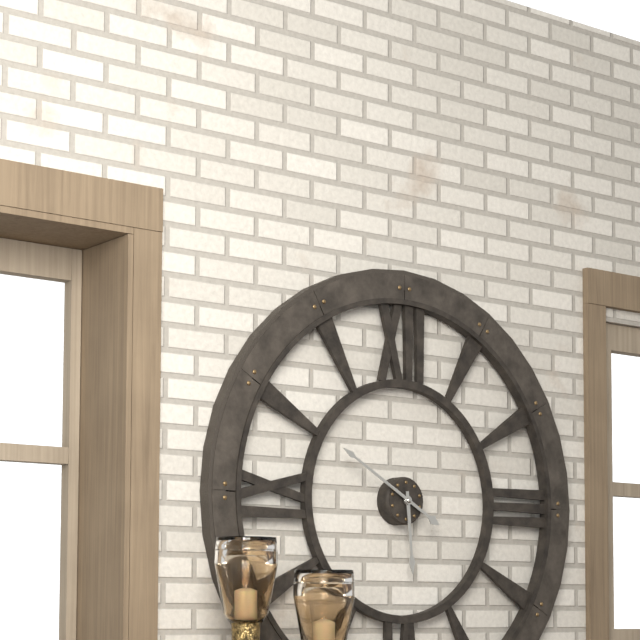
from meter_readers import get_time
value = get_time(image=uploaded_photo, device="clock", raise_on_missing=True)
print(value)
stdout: 5:50
